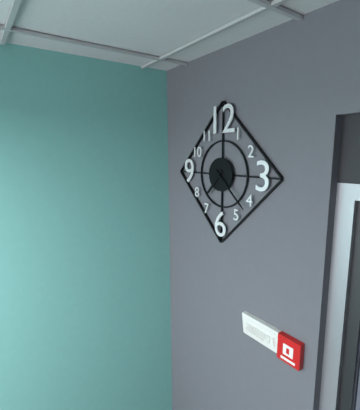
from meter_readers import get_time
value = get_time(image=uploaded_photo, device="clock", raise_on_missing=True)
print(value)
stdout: 7:22
